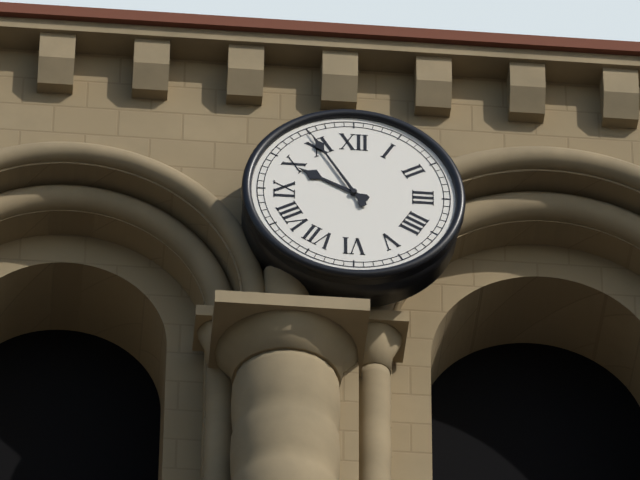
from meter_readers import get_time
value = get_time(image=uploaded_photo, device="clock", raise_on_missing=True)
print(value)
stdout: 9:55
